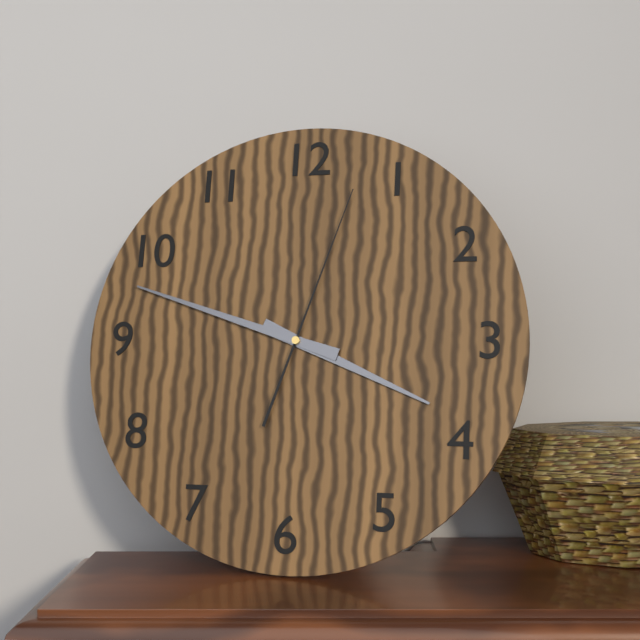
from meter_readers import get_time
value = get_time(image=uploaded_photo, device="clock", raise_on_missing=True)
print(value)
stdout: 3:48:03
